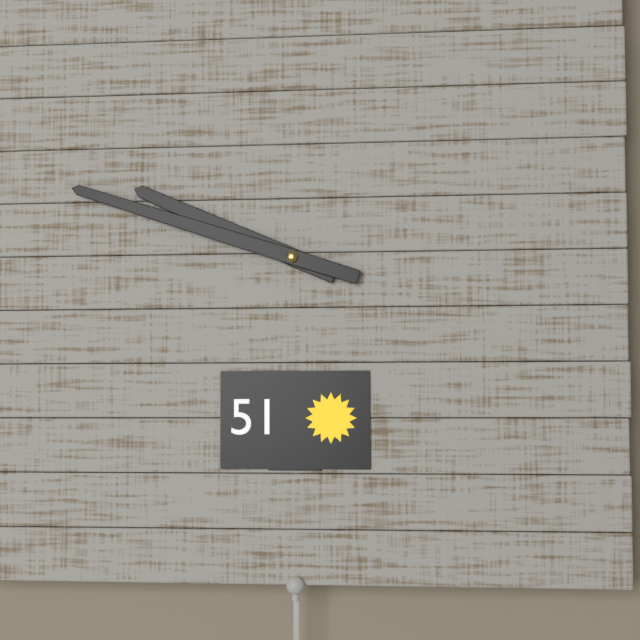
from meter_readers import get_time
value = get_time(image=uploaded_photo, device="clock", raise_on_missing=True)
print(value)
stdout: 9:48
